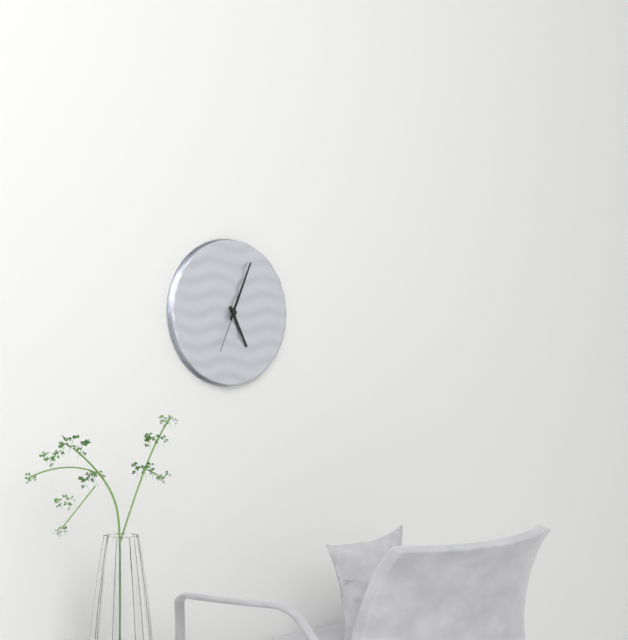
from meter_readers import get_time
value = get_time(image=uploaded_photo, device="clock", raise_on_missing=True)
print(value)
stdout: 5:04:34
